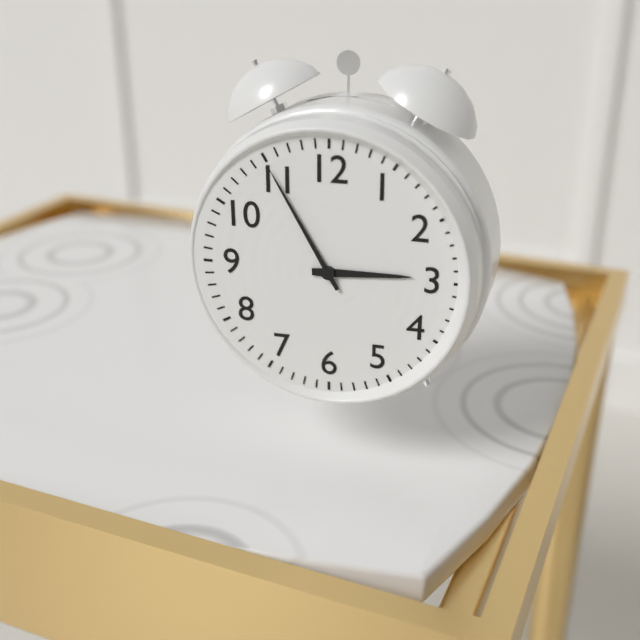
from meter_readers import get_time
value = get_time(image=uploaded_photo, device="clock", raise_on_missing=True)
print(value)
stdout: 2:55
